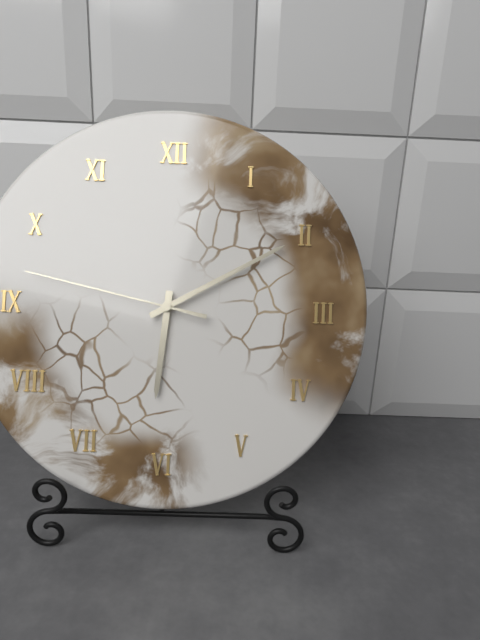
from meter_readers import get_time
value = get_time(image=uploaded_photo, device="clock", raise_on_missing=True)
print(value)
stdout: 6:10:47
